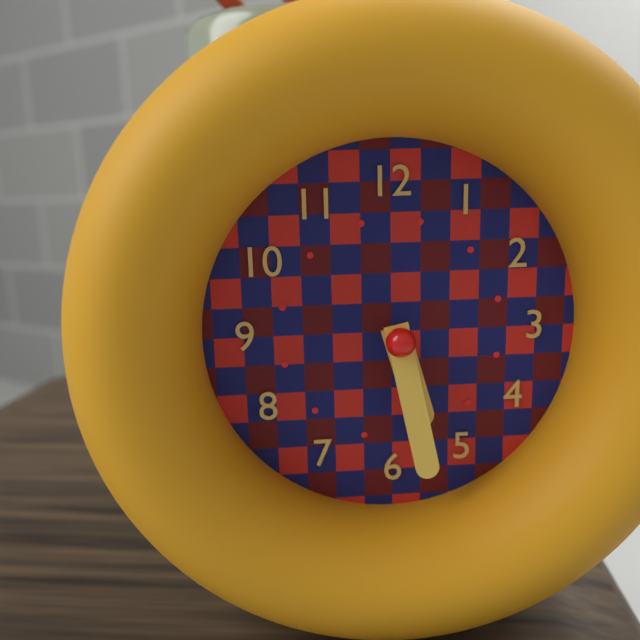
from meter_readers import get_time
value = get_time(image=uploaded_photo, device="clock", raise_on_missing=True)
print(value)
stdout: 5:28
